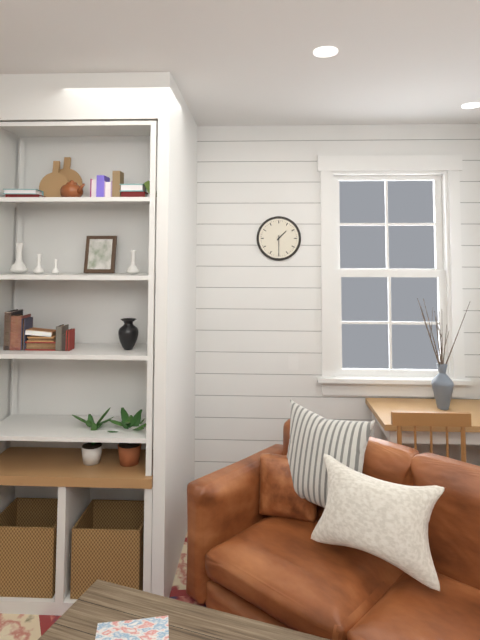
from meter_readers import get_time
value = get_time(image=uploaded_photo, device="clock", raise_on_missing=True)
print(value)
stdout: 1:30
